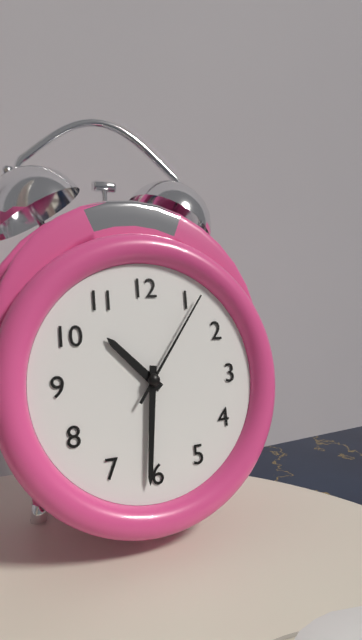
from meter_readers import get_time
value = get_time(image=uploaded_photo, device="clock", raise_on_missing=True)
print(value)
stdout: 10:31:06
